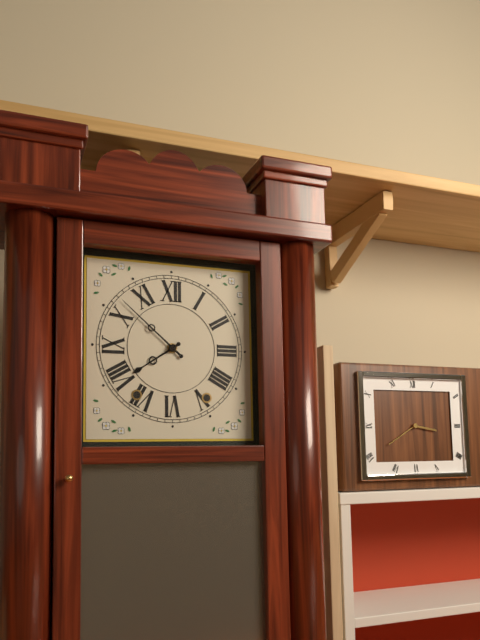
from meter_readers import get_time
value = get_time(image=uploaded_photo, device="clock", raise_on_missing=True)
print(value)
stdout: 7:52
